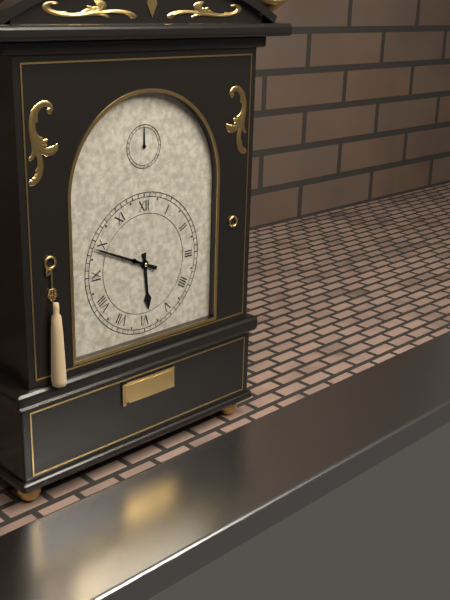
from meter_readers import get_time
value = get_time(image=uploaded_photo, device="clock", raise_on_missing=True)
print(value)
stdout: 5:49
